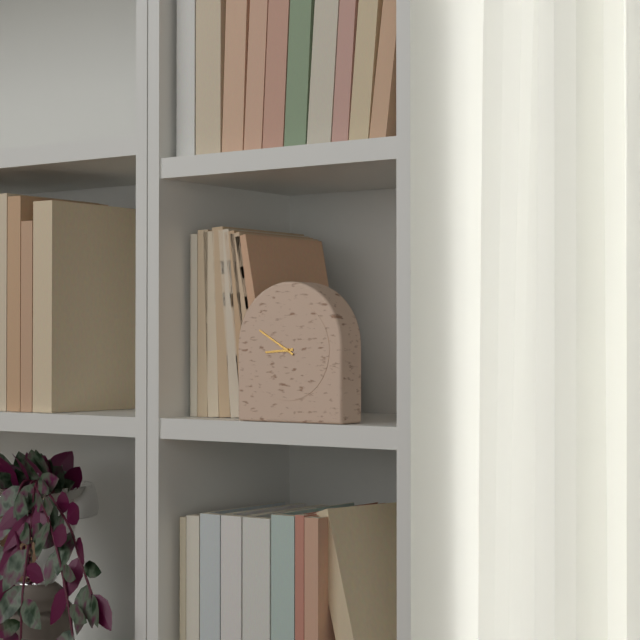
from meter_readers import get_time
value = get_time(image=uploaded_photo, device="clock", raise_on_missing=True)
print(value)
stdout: 8:50
